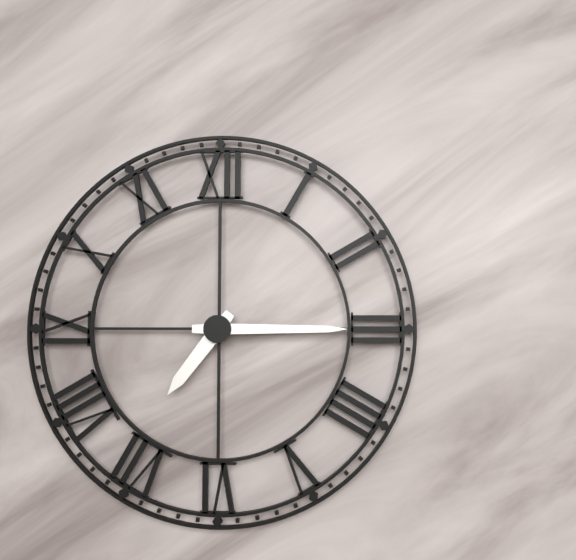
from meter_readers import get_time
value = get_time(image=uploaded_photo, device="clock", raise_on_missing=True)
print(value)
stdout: 7:15
